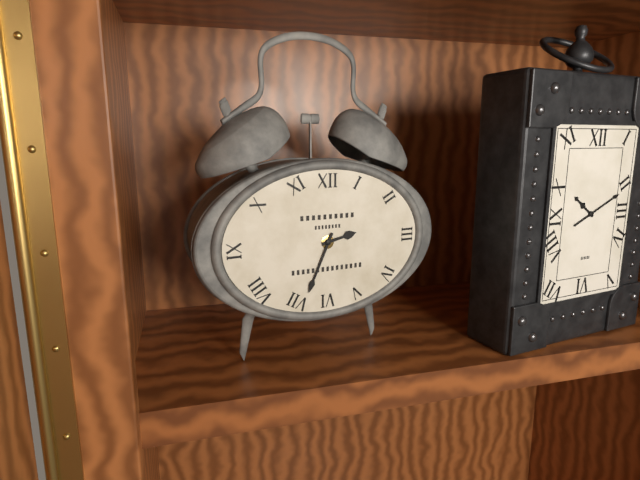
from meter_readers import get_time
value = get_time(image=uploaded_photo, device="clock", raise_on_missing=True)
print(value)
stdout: 2:34
